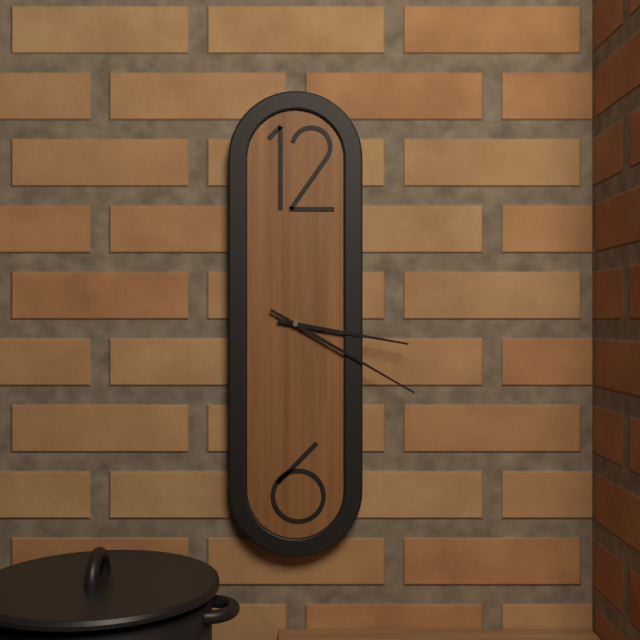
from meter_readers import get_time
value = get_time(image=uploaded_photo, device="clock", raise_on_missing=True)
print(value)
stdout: 3:20
